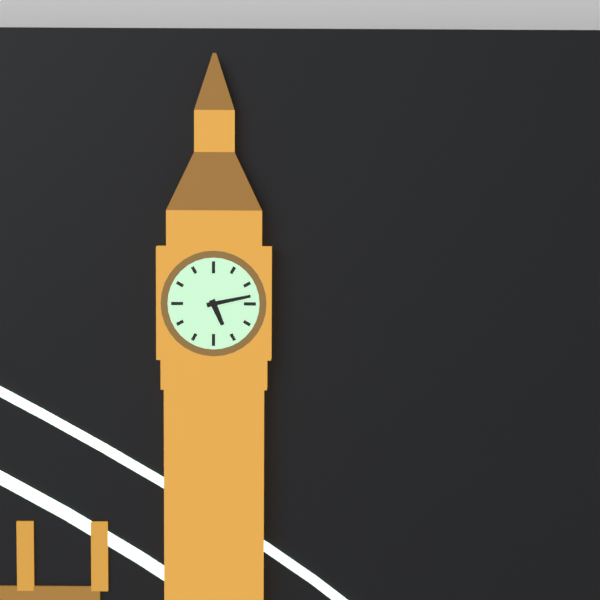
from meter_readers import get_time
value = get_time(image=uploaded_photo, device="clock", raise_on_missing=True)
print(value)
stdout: 5:13
